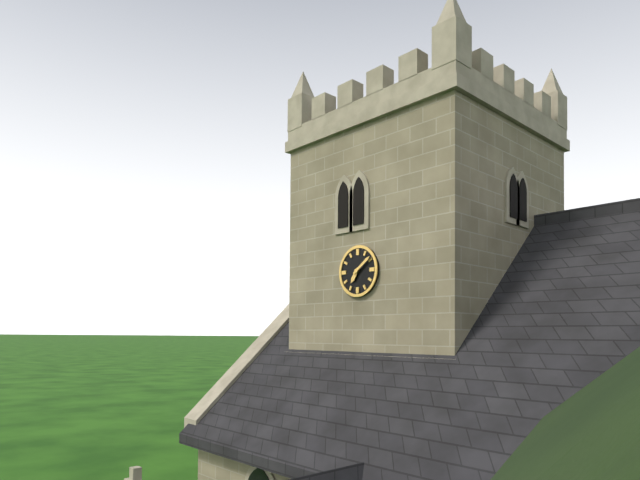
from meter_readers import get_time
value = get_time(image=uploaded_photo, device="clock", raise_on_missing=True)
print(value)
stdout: 7:09
